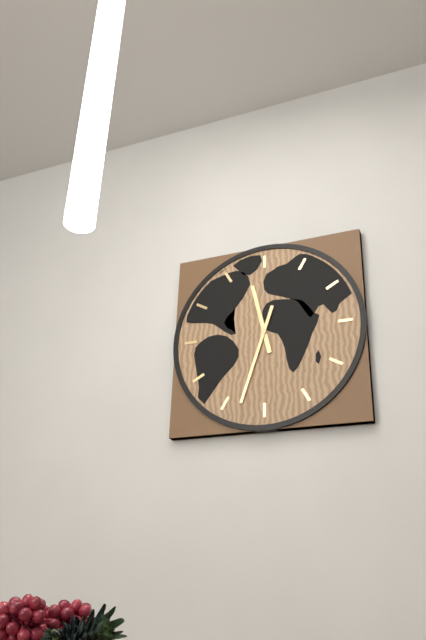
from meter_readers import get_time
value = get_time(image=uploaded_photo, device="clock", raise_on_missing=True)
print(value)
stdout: 11:33
